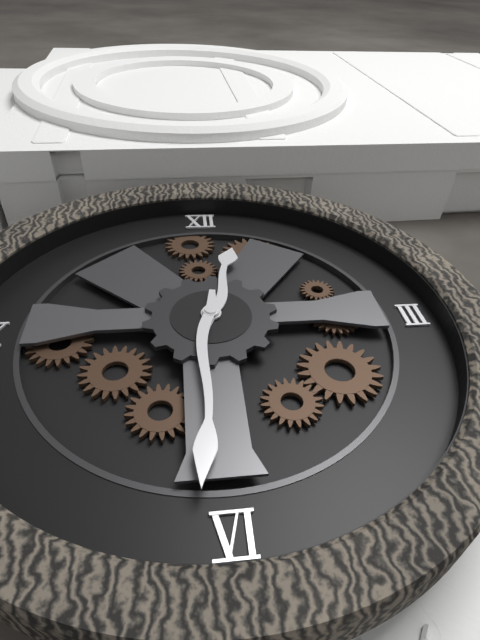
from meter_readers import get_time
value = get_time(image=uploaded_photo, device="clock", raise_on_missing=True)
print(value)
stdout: 12:31
